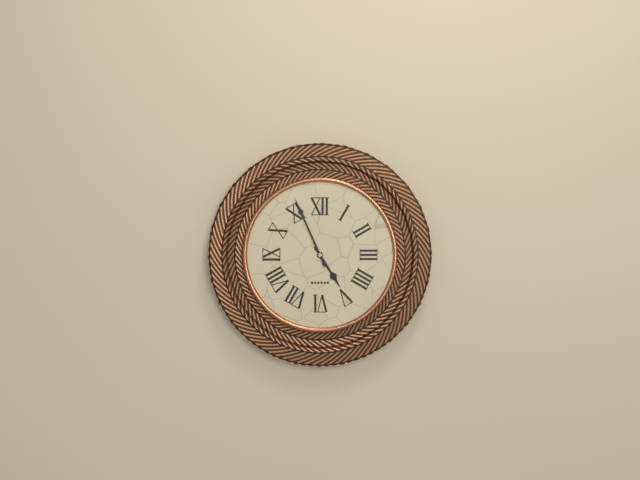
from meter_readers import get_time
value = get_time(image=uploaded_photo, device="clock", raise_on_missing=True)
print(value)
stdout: 4:56
